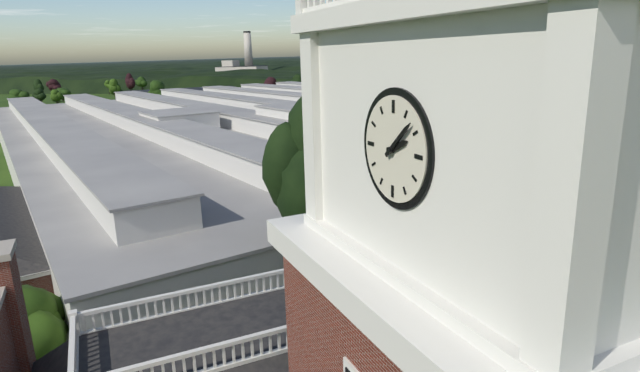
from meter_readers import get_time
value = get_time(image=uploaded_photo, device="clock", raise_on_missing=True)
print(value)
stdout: 2:08
